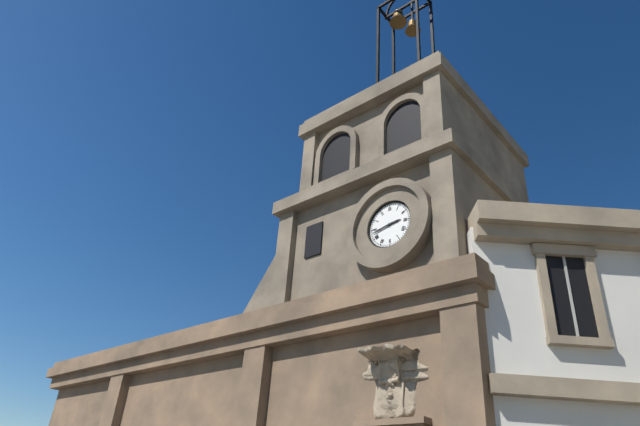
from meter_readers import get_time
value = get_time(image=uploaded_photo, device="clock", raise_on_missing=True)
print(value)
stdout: 2:43
